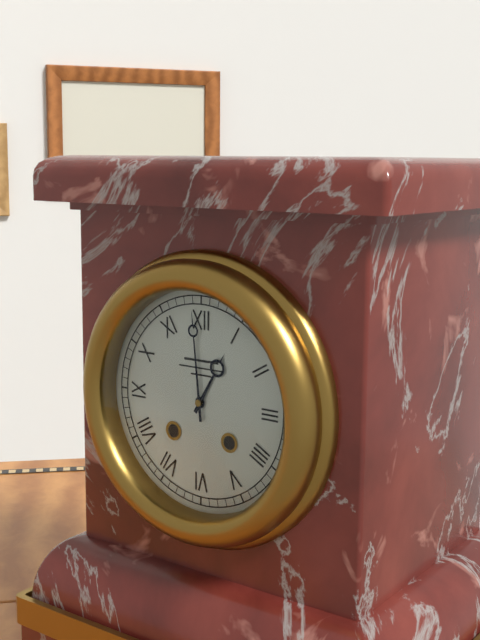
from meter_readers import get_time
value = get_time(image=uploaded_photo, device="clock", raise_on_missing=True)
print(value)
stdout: 12:59
